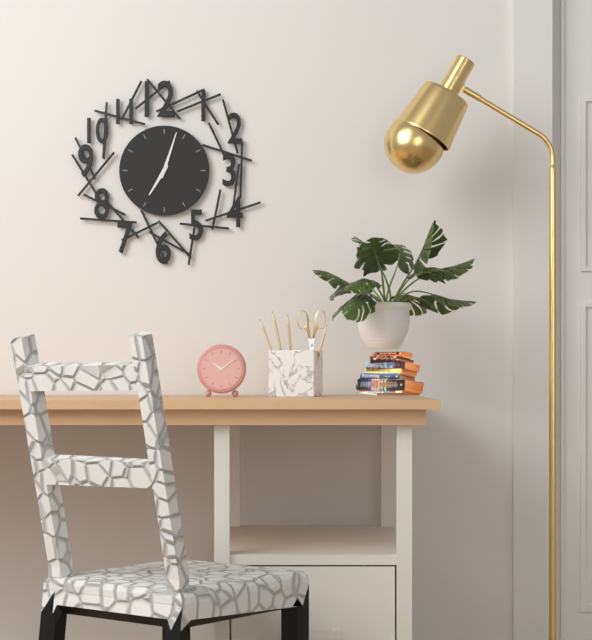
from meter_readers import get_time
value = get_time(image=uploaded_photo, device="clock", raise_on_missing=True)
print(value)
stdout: 7:03
